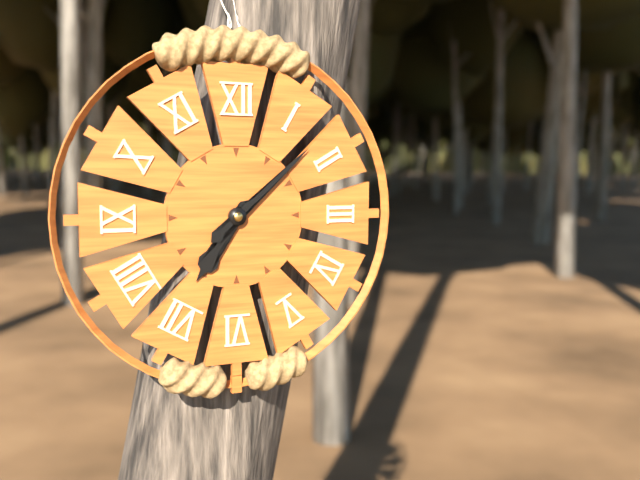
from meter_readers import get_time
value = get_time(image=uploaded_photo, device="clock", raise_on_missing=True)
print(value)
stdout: 7:08
